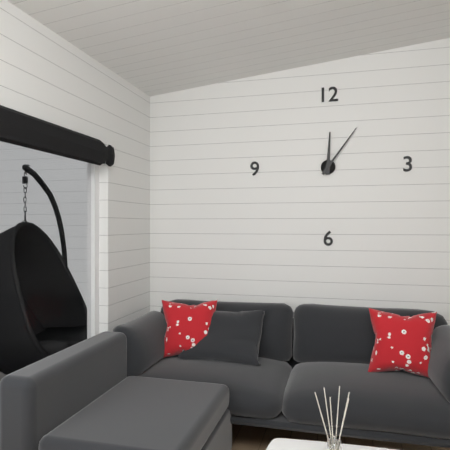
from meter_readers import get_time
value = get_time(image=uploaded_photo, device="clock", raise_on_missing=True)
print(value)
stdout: 12:06
